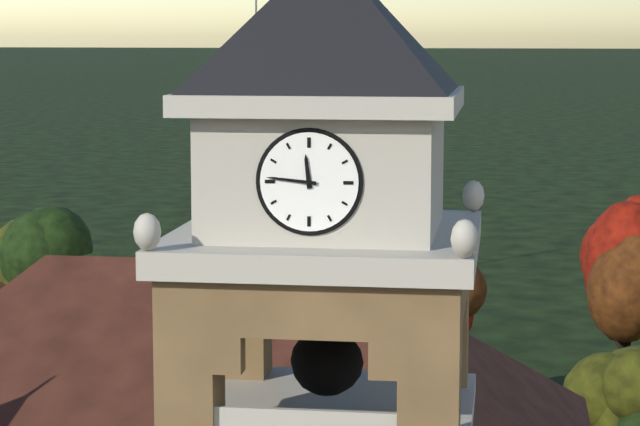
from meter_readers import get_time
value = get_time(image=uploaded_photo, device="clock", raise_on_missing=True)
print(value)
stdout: 11:46
